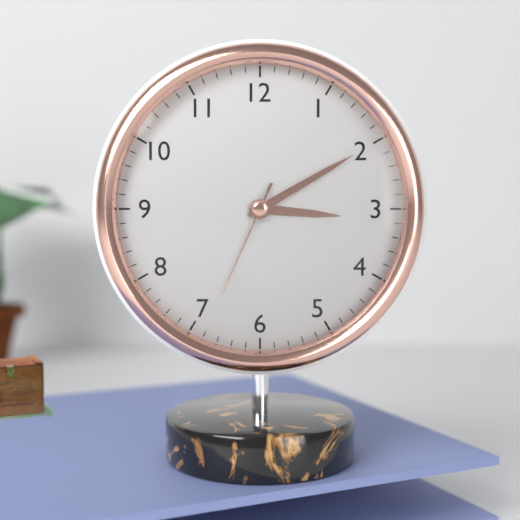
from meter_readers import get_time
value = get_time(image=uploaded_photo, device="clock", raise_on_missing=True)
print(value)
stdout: 3:10:34
